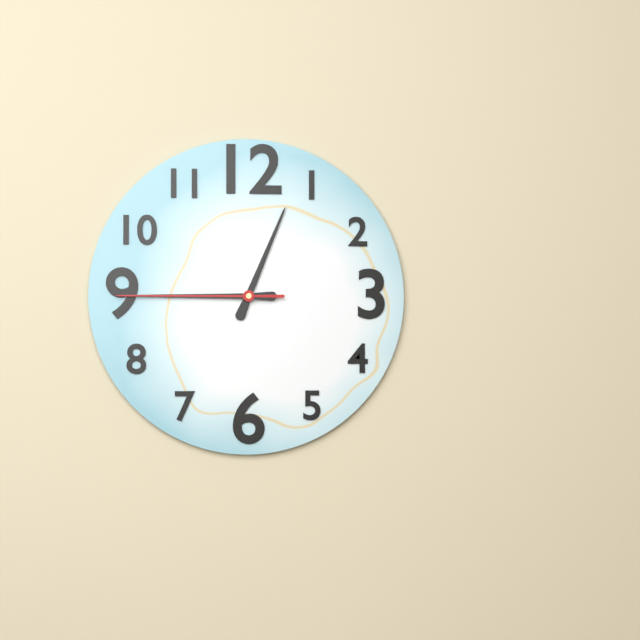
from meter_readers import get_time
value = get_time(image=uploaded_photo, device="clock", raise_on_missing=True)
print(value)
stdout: 12:45:45
